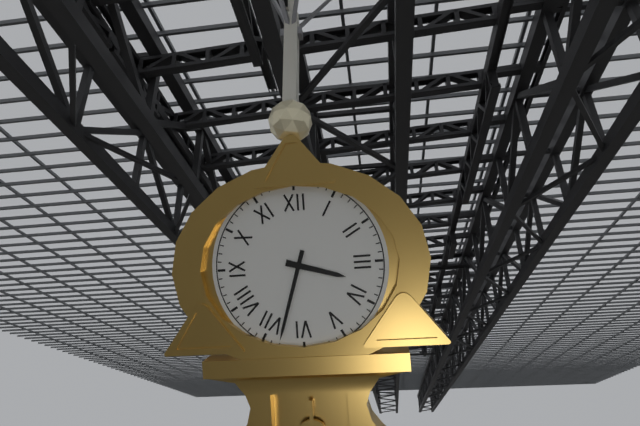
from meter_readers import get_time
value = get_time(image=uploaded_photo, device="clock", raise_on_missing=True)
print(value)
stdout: 3:33
